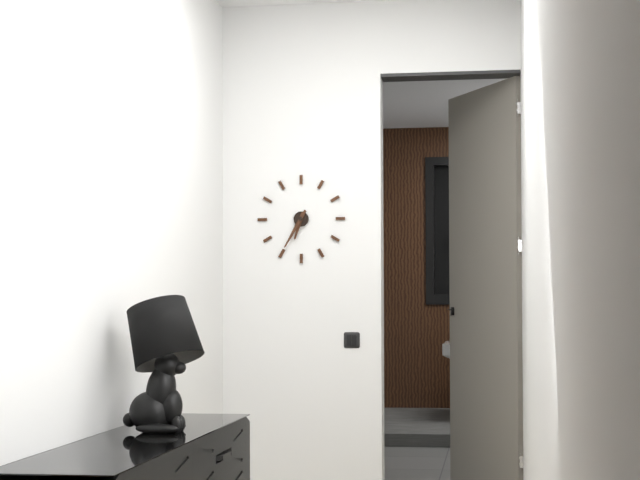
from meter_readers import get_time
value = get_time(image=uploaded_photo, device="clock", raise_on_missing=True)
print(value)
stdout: 6:35
